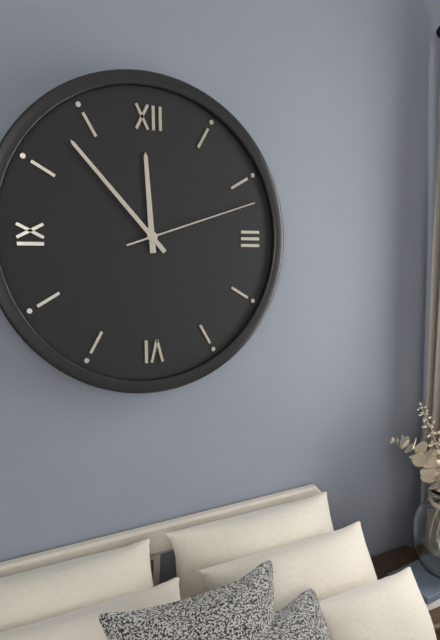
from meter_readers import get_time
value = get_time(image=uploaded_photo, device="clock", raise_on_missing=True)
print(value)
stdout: 11:53:12
